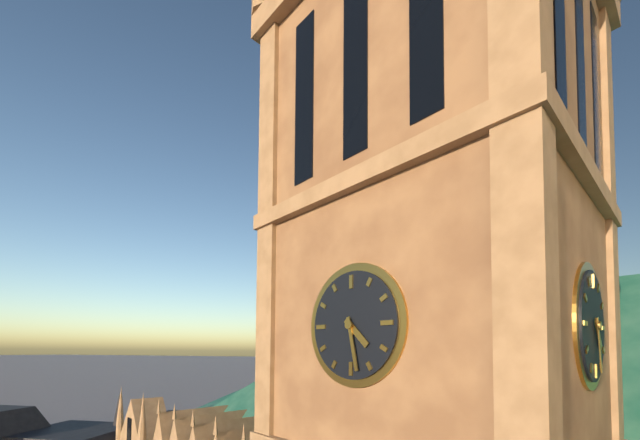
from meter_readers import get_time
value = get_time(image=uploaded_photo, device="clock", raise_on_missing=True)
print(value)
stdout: 4:28
